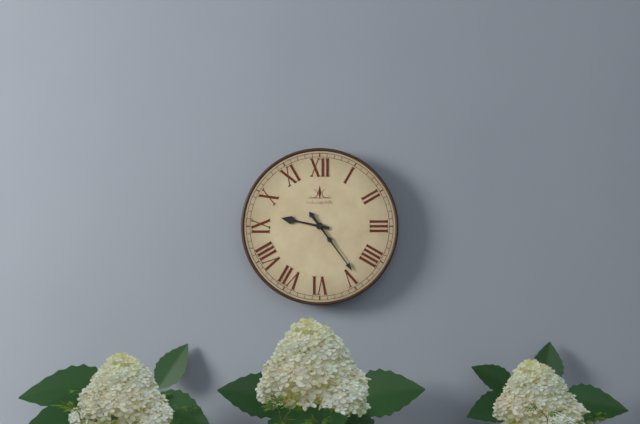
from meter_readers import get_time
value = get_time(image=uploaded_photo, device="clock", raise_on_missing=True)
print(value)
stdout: 9:24
